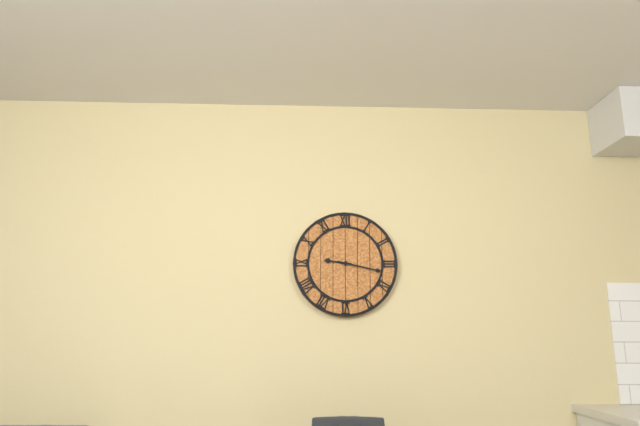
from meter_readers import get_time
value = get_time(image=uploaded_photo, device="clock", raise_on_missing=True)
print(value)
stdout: 9:17
